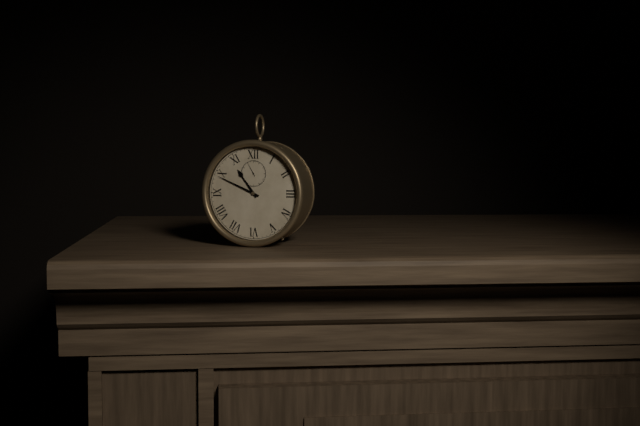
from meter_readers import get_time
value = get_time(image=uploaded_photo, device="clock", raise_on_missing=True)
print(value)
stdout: 10:49
